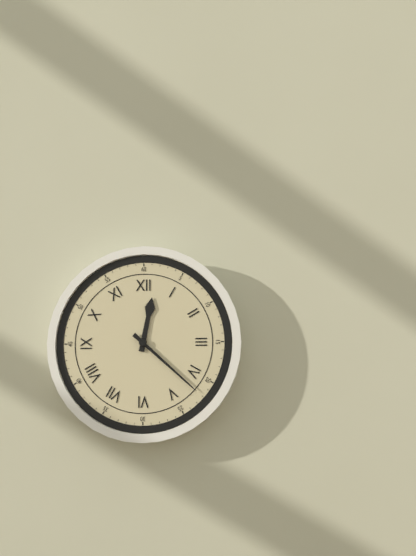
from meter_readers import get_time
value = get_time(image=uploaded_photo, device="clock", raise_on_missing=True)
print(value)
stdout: 12:22
